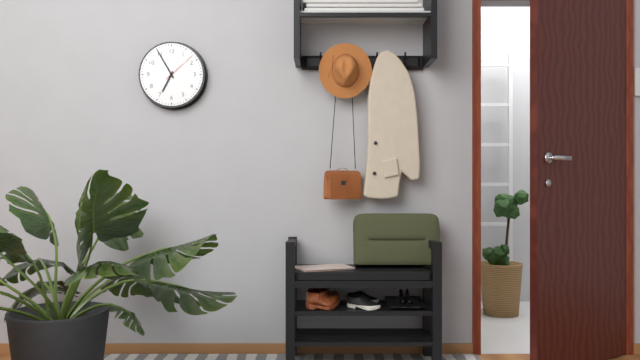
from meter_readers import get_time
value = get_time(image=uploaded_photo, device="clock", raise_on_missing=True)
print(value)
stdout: 6:55
